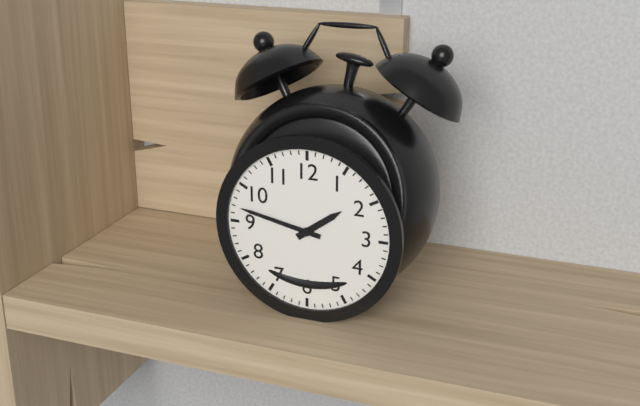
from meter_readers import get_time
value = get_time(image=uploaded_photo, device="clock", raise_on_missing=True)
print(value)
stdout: 1:47
